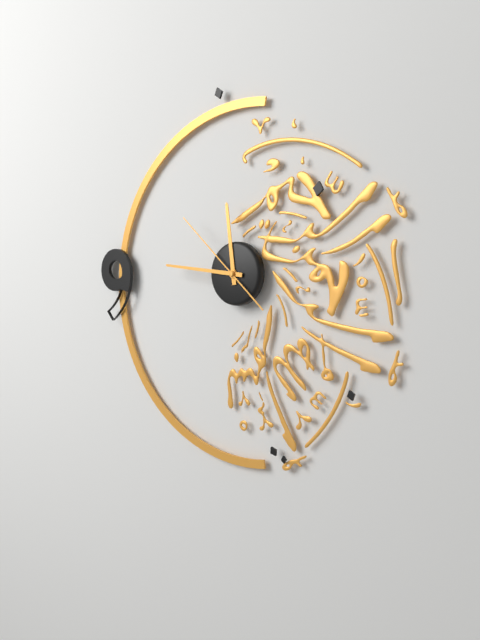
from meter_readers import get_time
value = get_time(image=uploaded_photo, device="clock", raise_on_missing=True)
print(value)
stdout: 11:46:52
